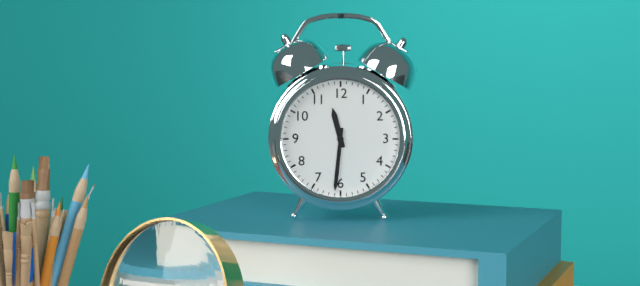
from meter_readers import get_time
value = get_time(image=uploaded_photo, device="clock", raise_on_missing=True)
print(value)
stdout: 11:31
